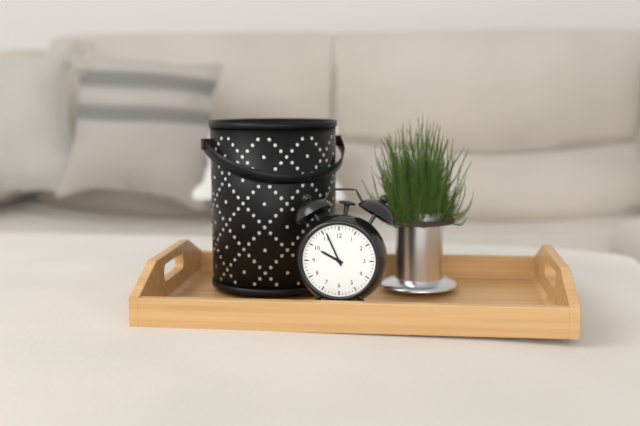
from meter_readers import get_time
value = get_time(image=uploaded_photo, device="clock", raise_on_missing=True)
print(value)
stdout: 9:56
